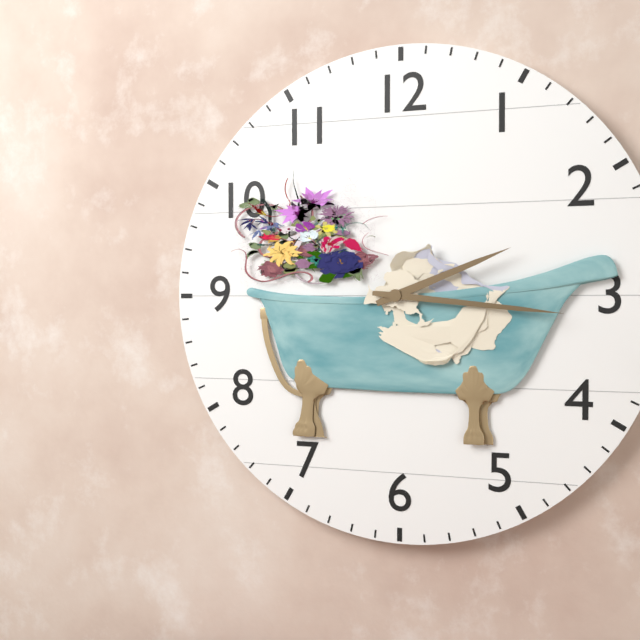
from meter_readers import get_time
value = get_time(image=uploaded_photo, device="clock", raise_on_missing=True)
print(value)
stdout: 2:16
